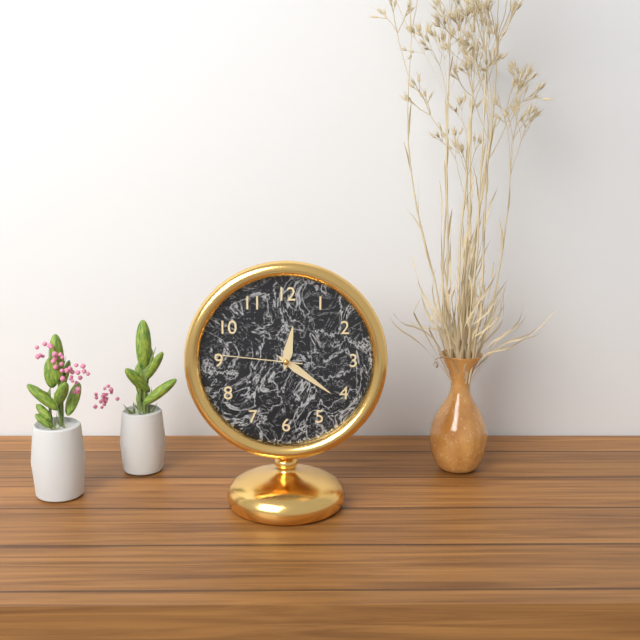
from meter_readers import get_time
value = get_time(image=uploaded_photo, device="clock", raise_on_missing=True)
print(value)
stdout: 12:21:46
